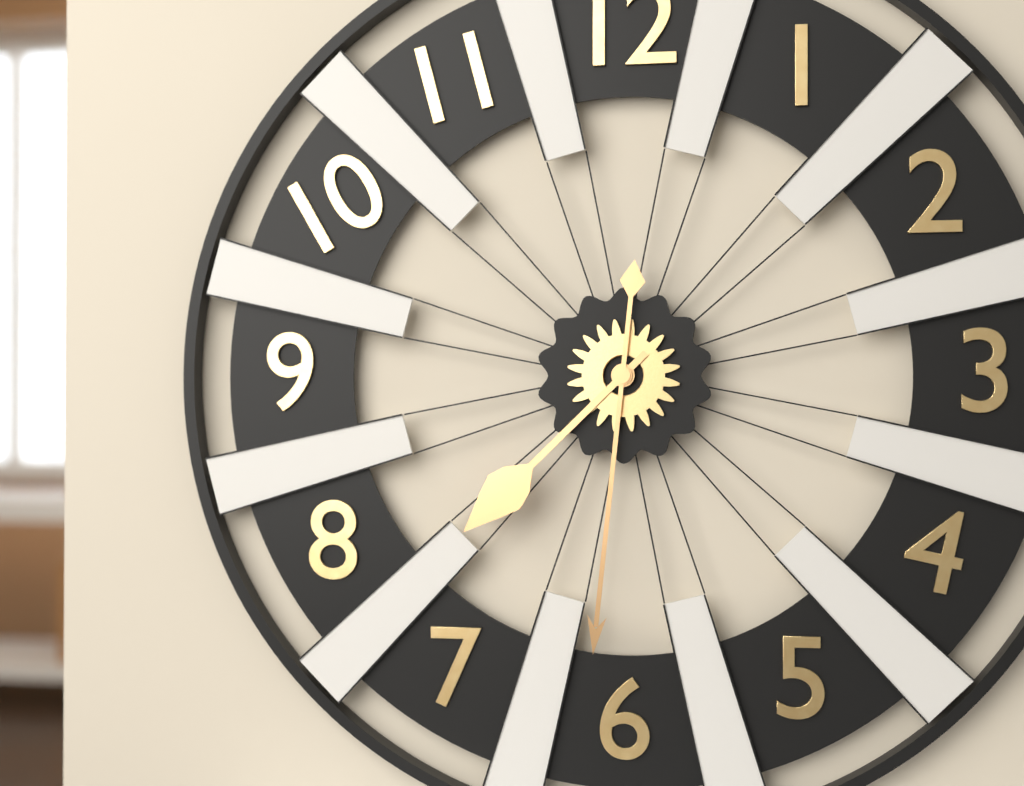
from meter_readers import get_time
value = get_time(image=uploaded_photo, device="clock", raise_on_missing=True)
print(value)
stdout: 7:31
